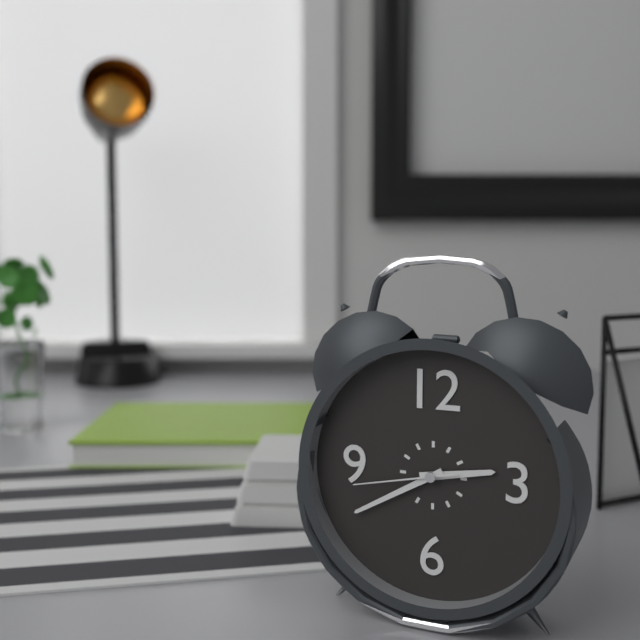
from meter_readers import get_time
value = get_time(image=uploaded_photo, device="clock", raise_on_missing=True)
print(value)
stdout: 2:40:43
